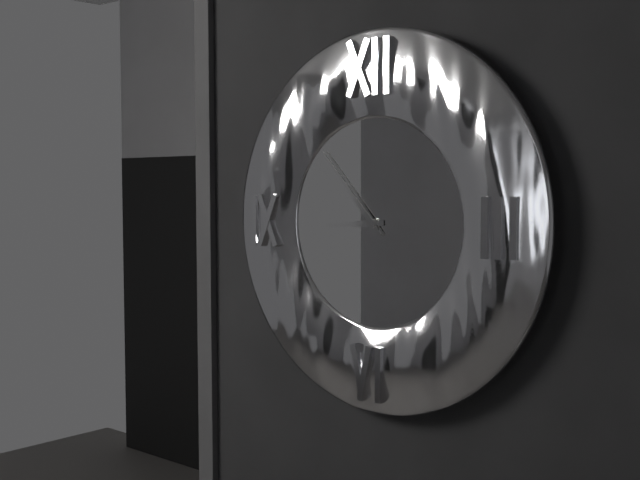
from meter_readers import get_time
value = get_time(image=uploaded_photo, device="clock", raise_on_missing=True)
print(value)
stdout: 8:53
